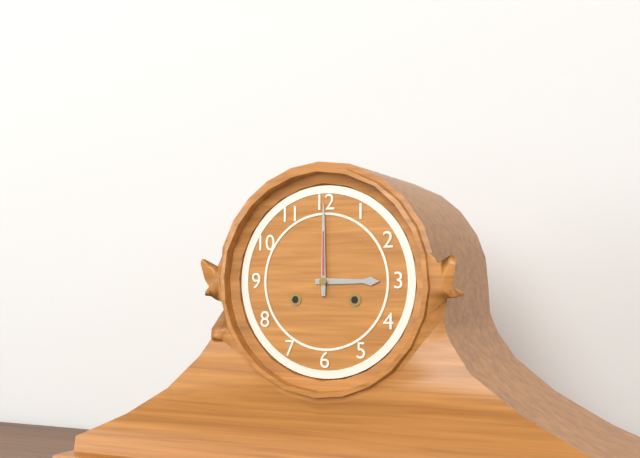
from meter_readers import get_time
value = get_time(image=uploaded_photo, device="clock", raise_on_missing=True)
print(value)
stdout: 3:00
